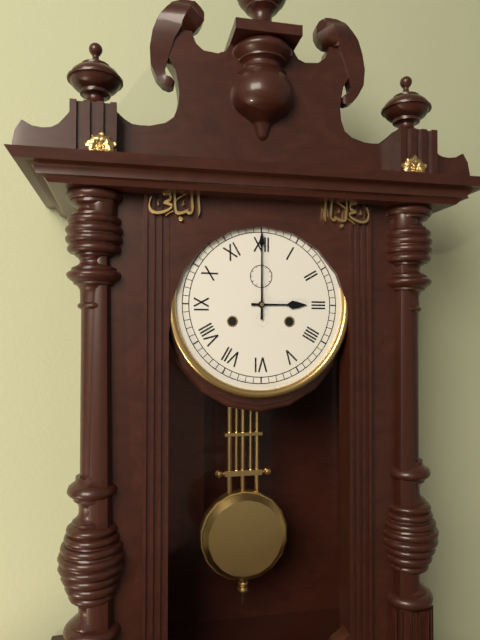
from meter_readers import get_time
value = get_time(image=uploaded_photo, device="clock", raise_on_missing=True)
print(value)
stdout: 3:00
